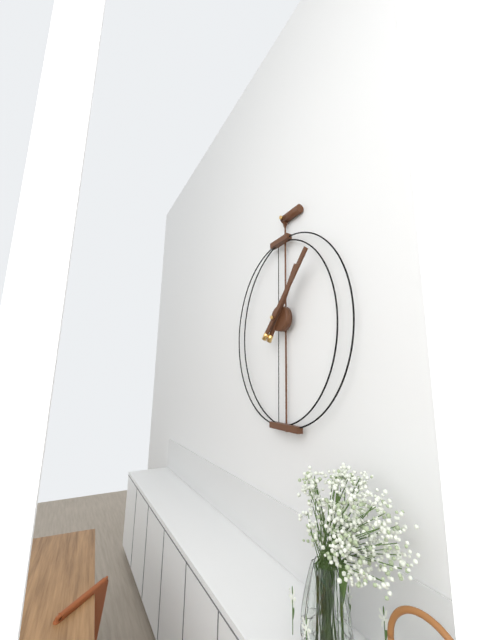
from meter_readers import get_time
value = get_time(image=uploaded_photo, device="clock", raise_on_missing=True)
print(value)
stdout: 1:07
